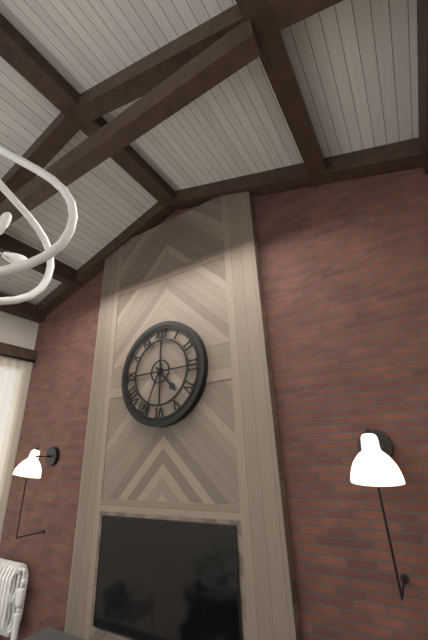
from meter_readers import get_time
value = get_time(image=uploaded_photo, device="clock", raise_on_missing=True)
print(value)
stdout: 4:34
